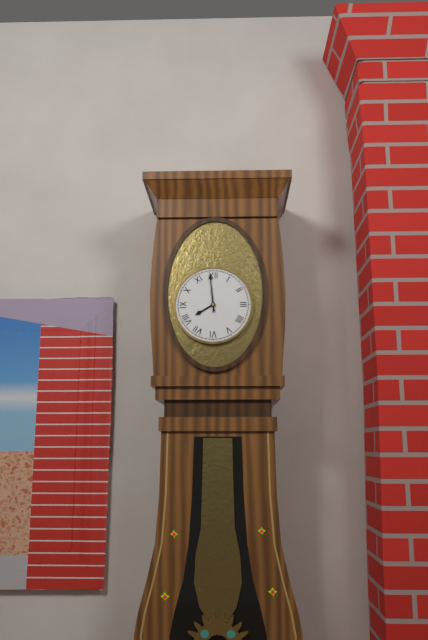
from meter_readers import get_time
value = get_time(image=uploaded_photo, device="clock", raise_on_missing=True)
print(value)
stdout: 7:59
